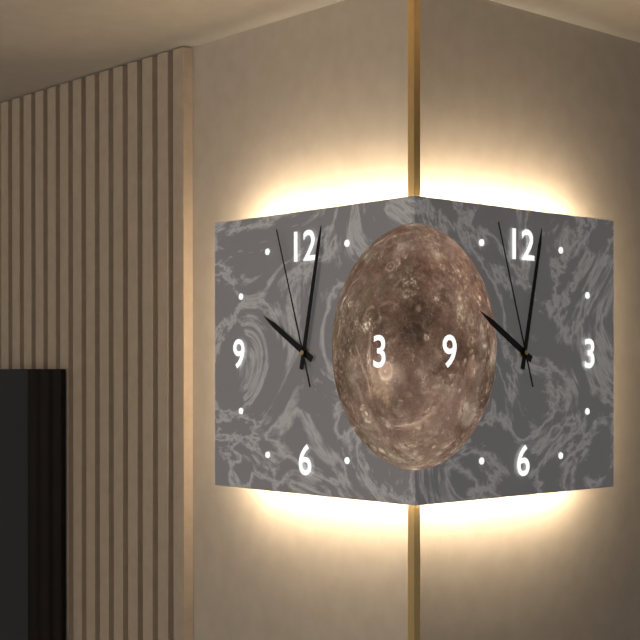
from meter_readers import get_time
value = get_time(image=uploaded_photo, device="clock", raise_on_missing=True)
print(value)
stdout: 10:02:57
